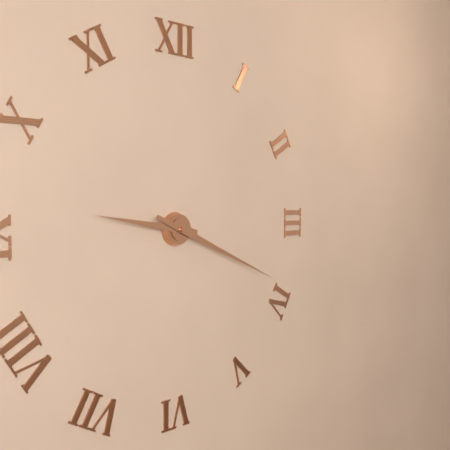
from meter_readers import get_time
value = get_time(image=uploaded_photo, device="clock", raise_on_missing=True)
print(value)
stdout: 9:19
